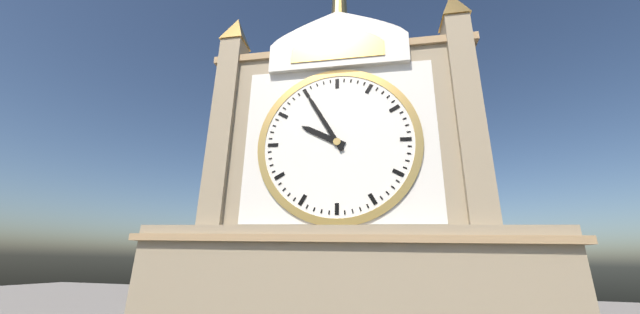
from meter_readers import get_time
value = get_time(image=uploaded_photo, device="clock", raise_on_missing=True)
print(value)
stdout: 9:55
